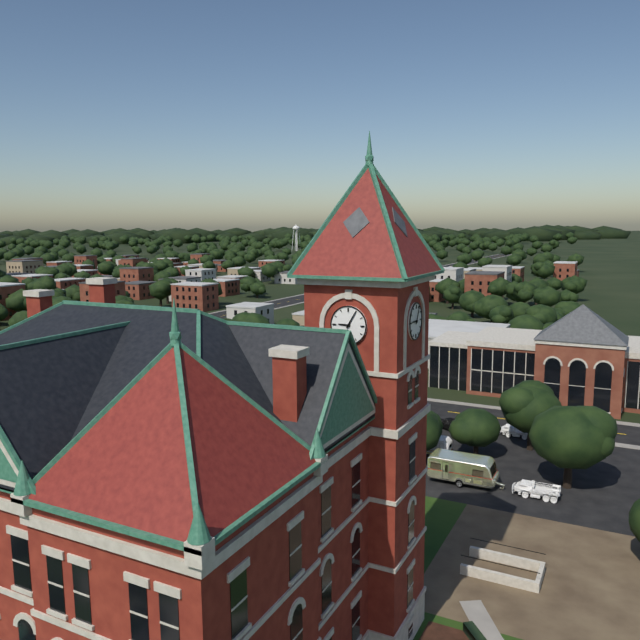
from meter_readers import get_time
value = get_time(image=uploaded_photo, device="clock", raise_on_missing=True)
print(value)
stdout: 9:05
